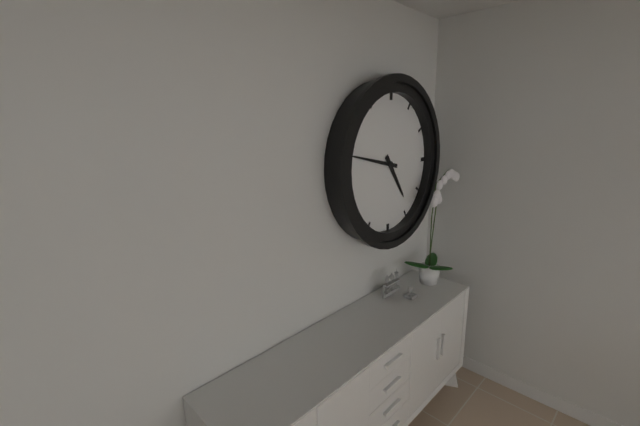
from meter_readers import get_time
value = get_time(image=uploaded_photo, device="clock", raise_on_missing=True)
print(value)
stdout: 4:47
